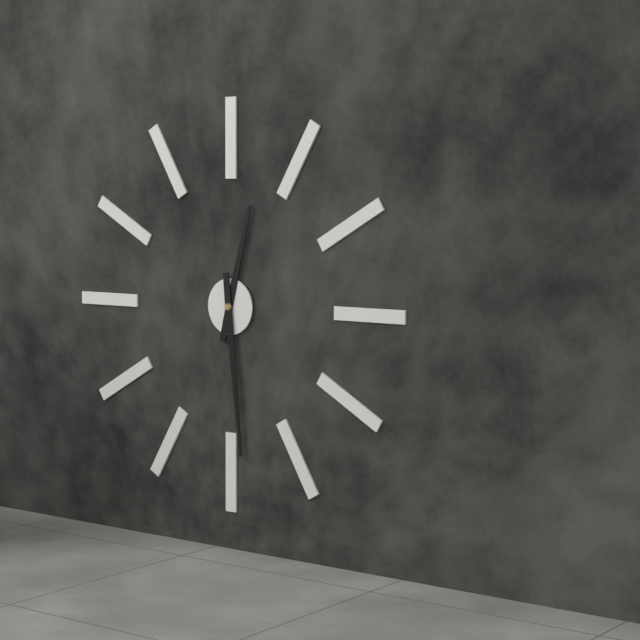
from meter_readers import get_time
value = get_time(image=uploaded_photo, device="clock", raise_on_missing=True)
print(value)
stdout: 12:29
